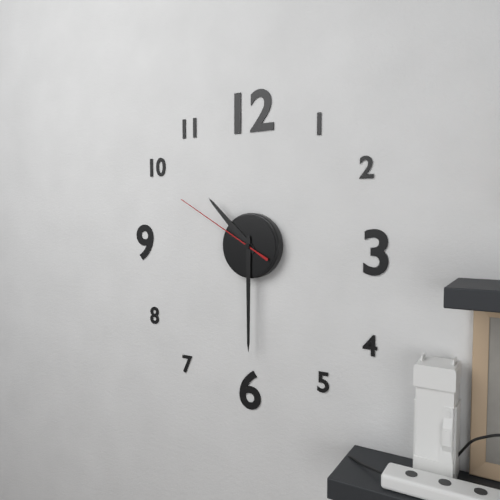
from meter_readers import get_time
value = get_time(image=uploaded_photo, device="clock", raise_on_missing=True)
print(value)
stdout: 10:30:50
